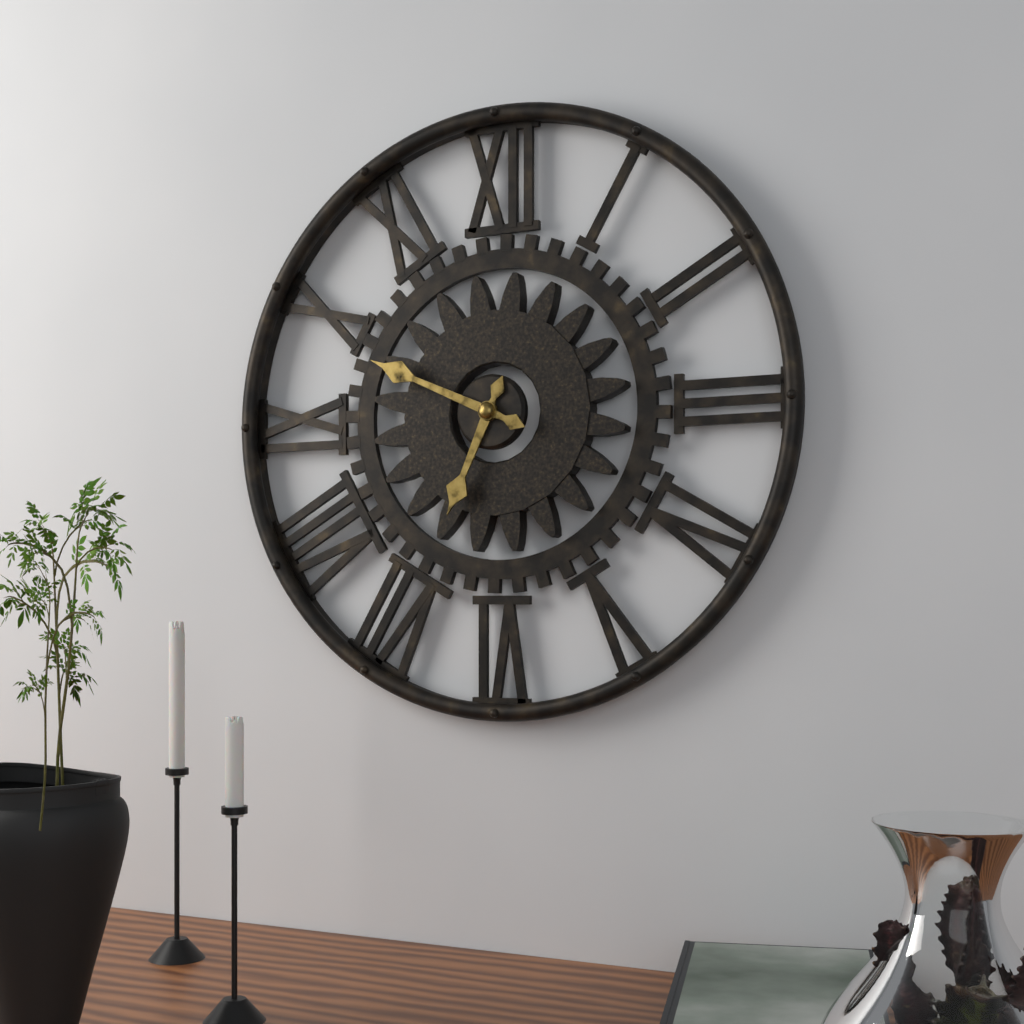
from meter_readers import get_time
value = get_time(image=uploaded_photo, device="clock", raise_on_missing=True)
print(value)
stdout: 6:49
